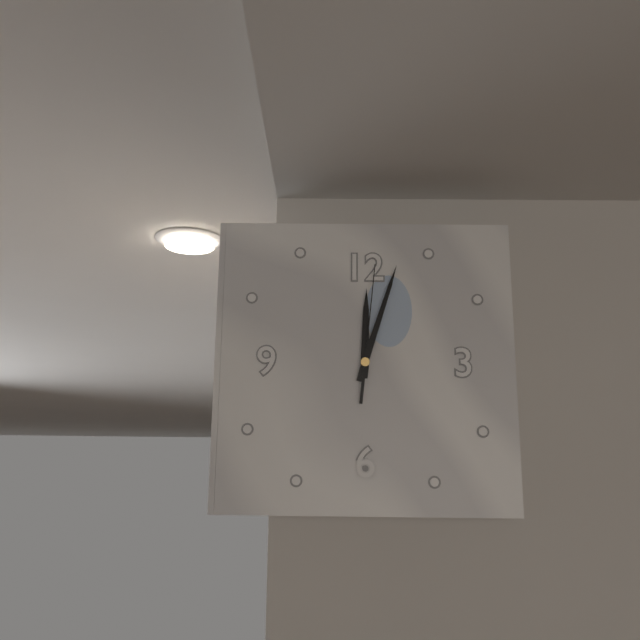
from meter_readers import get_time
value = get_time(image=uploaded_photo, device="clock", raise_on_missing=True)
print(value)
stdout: 12:03:01
